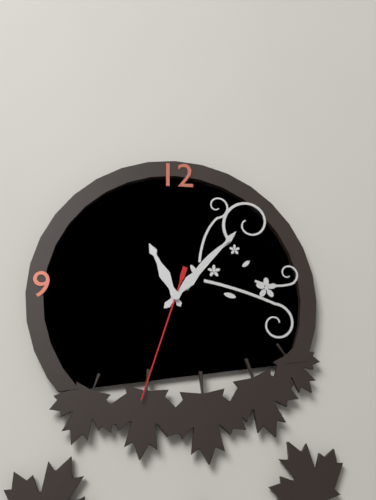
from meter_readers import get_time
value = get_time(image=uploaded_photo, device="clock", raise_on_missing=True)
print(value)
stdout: 11:07:33
